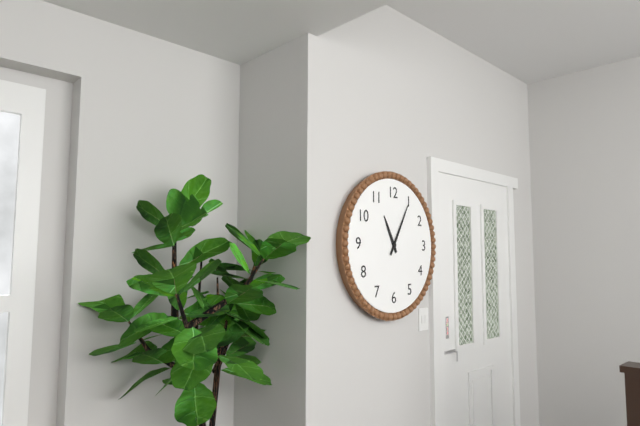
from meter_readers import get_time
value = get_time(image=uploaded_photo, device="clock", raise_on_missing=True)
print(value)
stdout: 11:05
